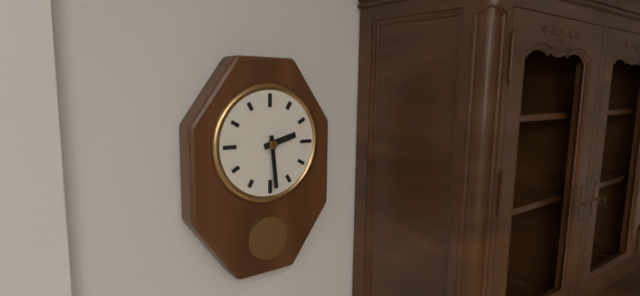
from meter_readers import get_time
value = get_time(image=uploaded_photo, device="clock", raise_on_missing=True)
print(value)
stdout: 2:29
